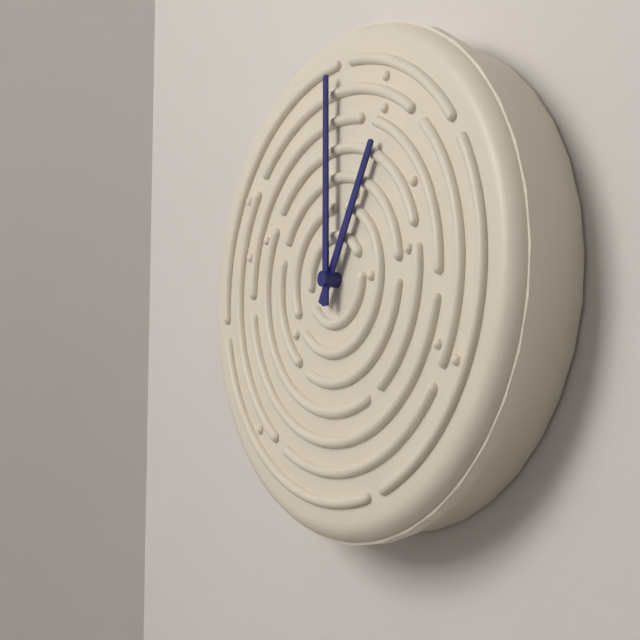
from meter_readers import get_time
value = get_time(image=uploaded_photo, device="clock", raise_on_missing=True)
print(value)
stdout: 1:00
